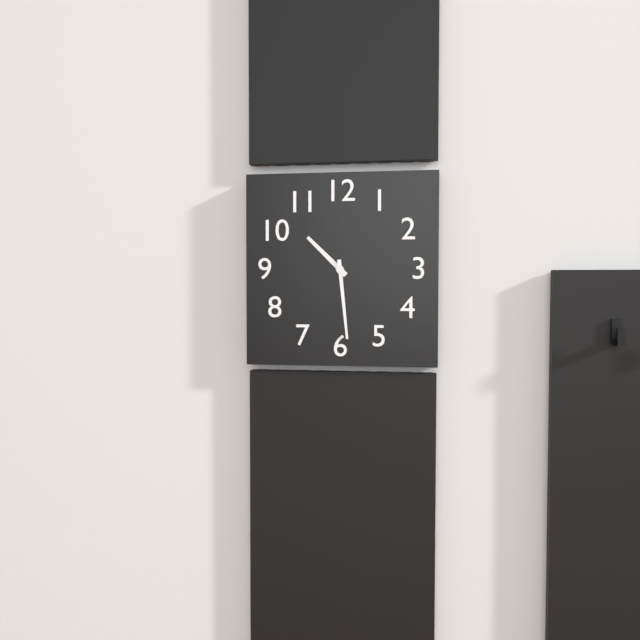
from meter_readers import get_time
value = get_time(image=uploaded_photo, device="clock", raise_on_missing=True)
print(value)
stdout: 10:29
